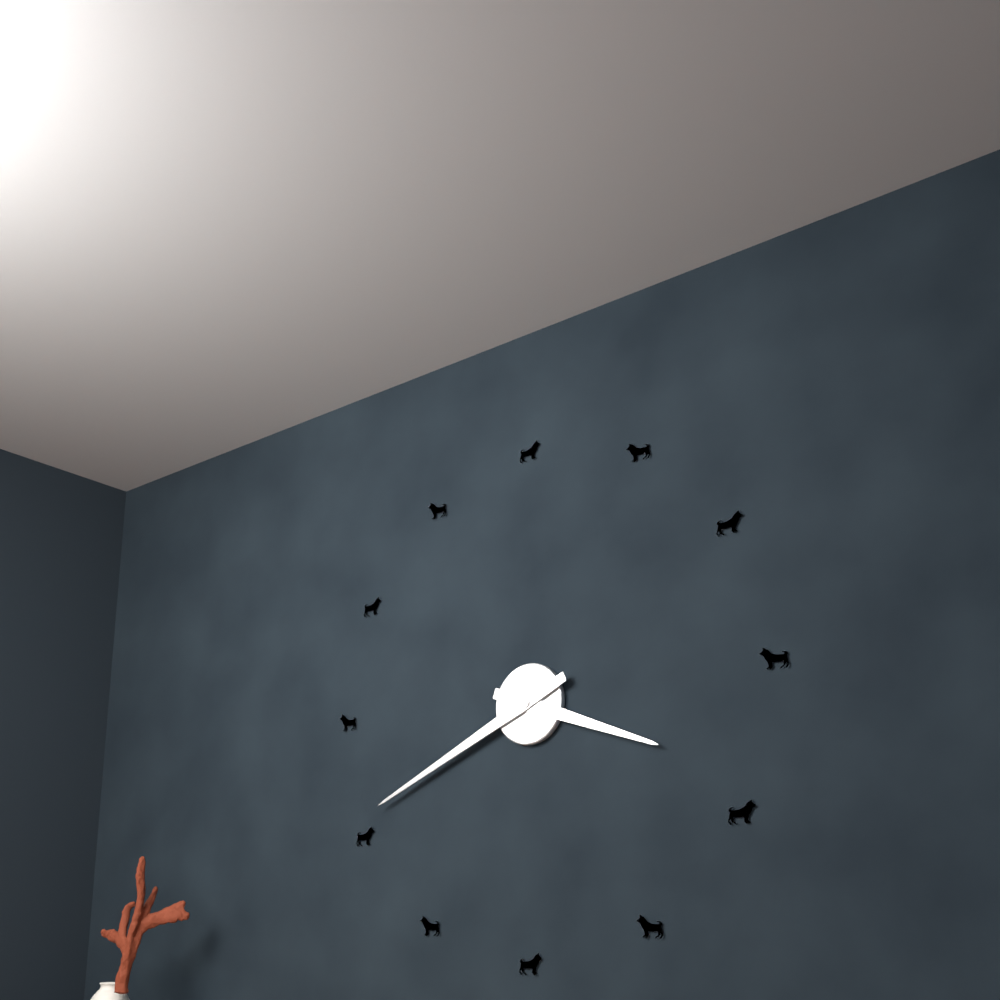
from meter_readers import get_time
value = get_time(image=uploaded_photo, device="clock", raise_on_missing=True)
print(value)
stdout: 3:41
